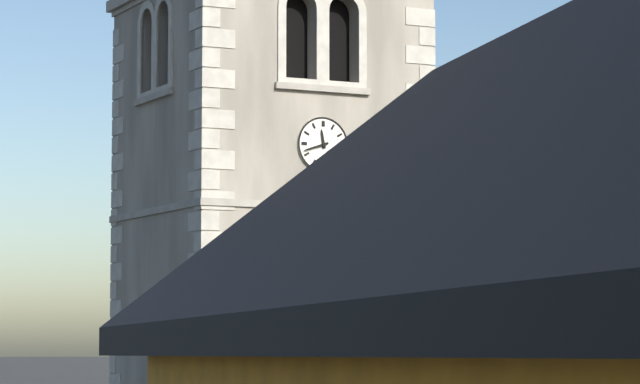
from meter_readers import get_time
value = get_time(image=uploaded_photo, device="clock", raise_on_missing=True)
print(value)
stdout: 11:42
